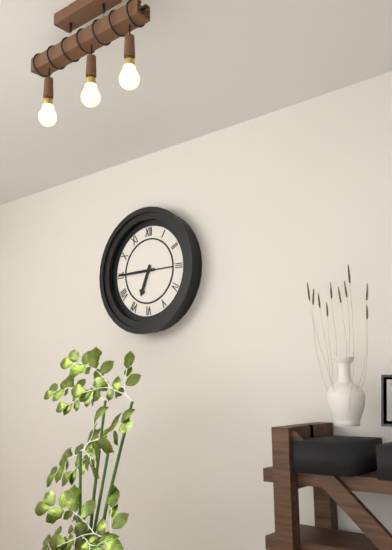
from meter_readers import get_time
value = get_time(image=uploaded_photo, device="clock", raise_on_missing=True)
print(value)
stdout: 6:45
